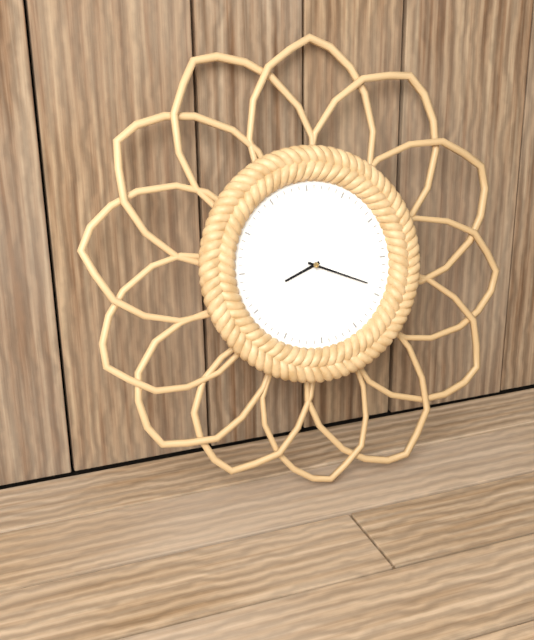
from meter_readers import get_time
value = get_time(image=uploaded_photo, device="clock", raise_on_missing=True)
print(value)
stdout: 8:19
